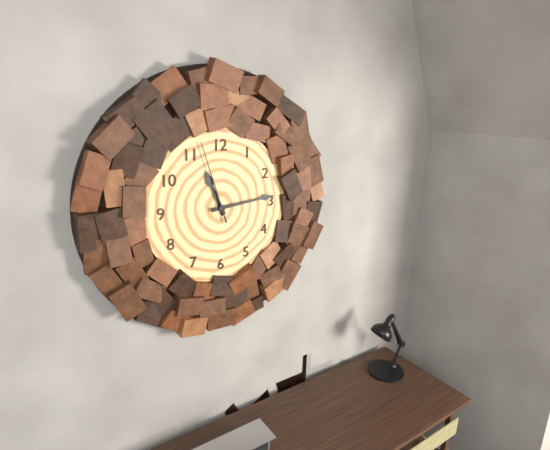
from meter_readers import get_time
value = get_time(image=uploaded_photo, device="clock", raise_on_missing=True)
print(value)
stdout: 11:14:57
